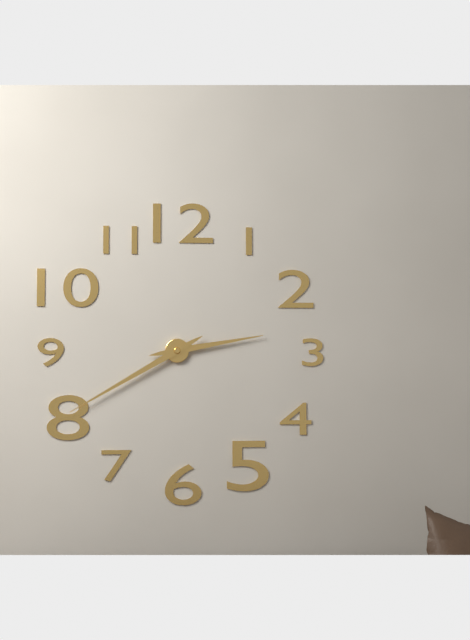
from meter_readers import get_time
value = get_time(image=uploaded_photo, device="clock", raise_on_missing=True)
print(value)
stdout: 2:40
